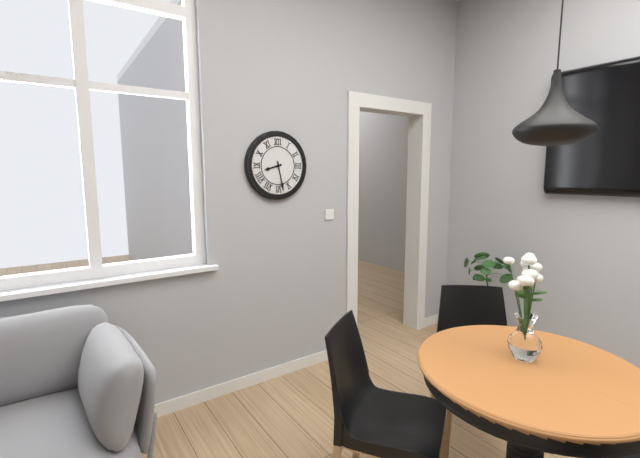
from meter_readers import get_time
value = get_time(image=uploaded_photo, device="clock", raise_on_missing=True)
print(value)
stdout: 8:28
